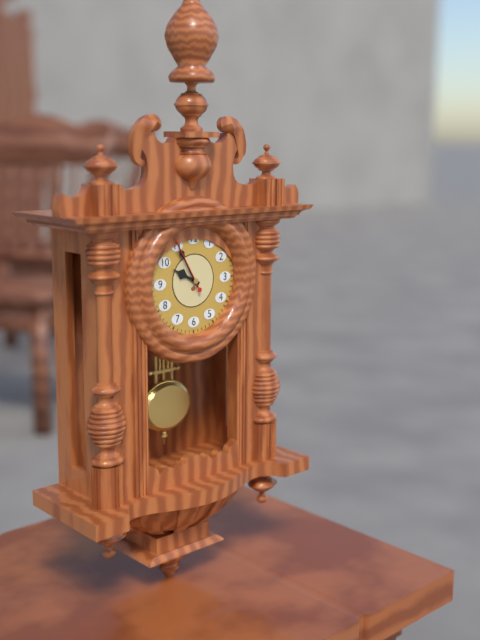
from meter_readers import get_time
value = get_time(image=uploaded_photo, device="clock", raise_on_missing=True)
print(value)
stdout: 9:55:55
